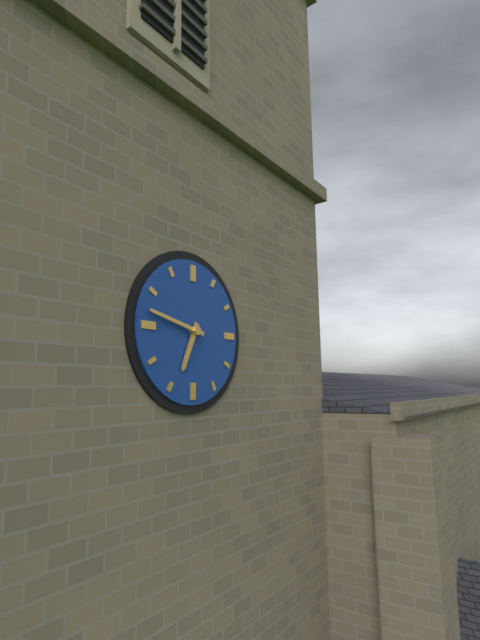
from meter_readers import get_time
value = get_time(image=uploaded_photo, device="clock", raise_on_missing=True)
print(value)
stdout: 6:47
